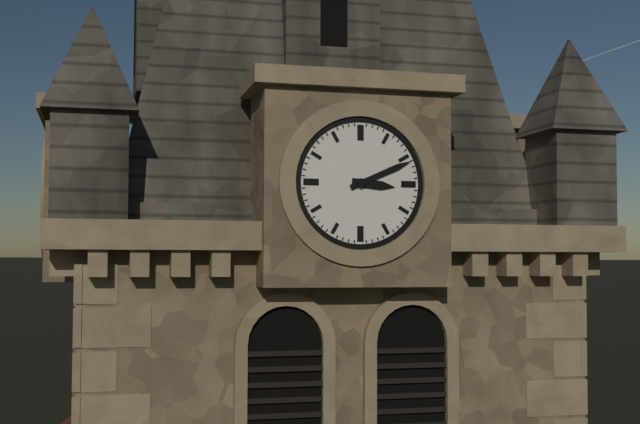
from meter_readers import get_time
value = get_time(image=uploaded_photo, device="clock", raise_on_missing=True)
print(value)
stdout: 3:11
